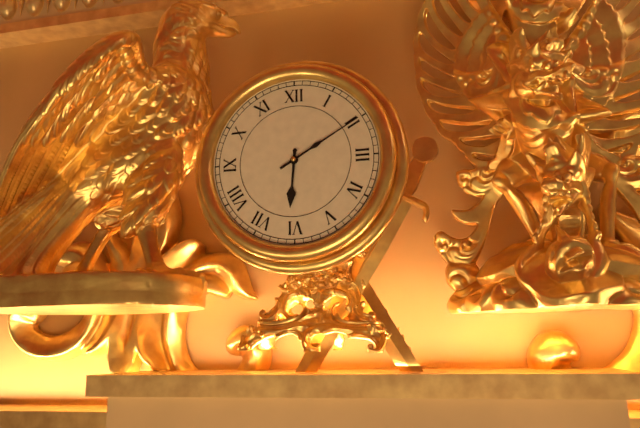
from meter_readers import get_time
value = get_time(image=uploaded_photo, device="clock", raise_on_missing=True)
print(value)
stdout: 6:10
